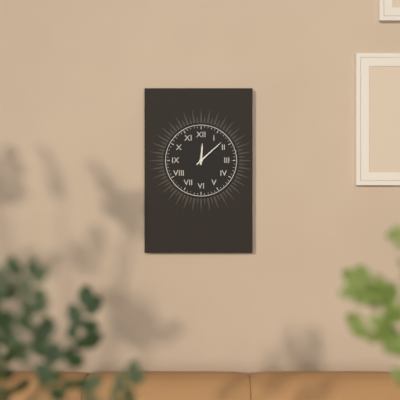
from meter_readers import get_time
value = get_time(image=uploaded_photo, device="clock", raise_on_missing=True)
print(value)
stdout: 12:08
